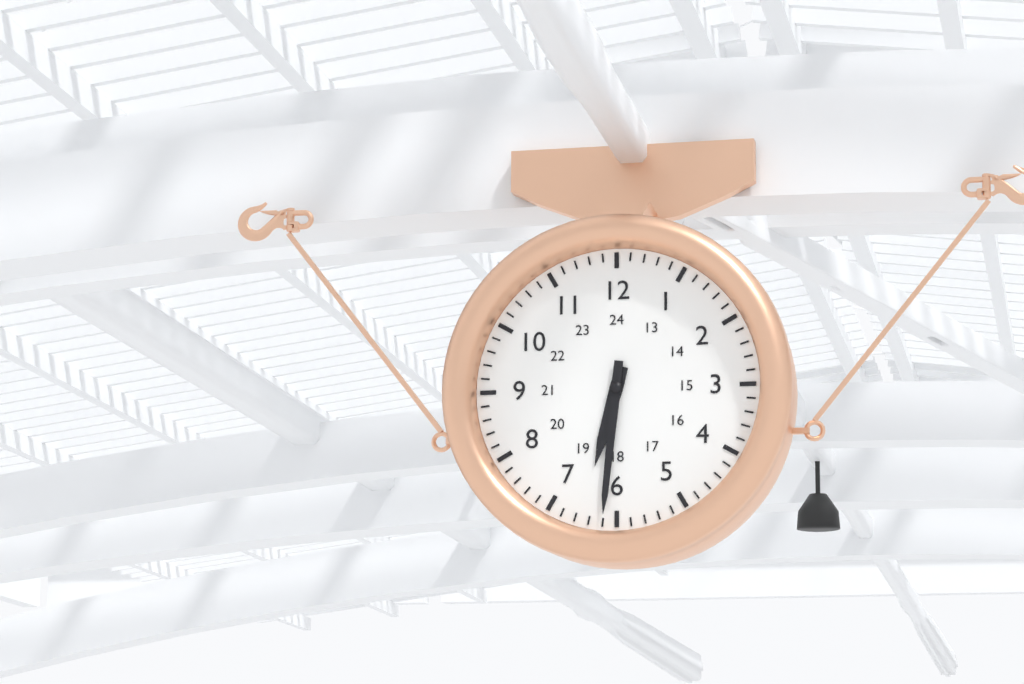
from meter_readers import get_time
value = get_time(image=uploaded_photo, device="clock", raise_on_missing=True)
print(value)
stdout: 6:31
